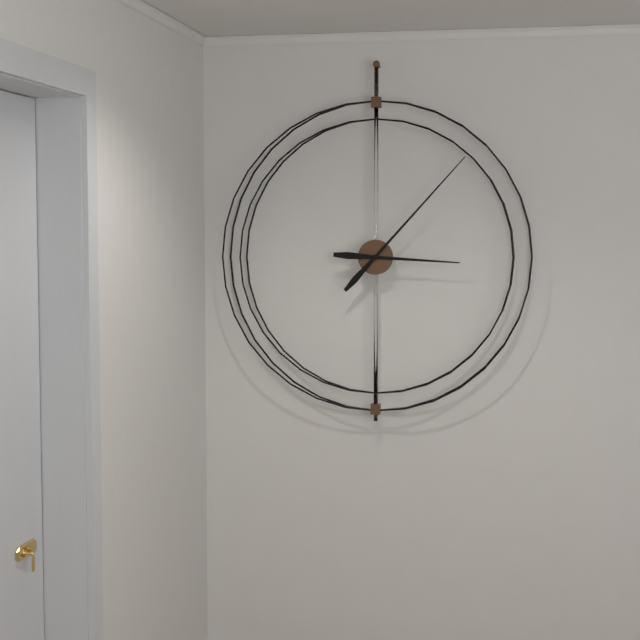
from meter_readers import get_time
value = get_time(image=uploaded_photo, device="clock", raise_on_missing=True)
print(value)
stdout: 3:07
